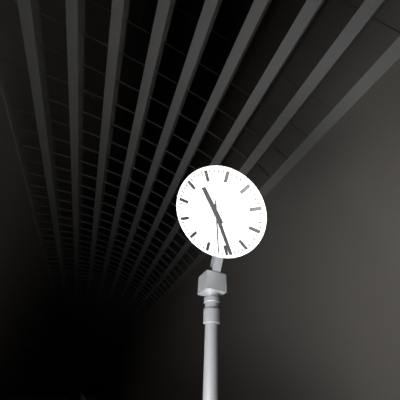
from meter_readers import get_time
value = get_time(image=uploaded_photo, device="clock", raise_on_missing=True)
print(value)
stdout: 12:34
